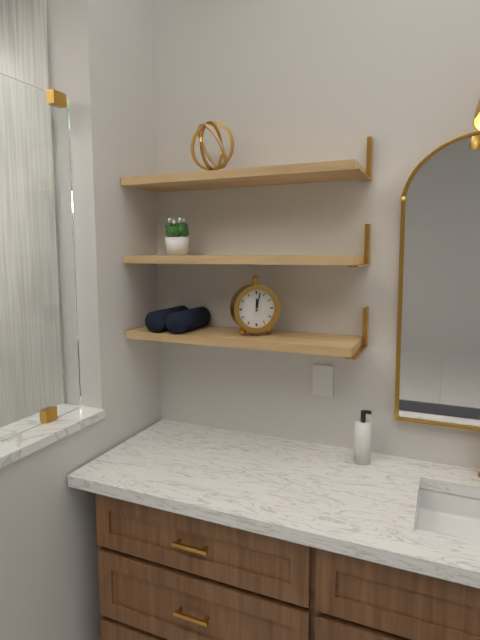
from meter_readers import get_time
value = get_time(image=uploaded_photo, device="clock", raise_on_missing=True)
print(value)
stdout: 12:02
